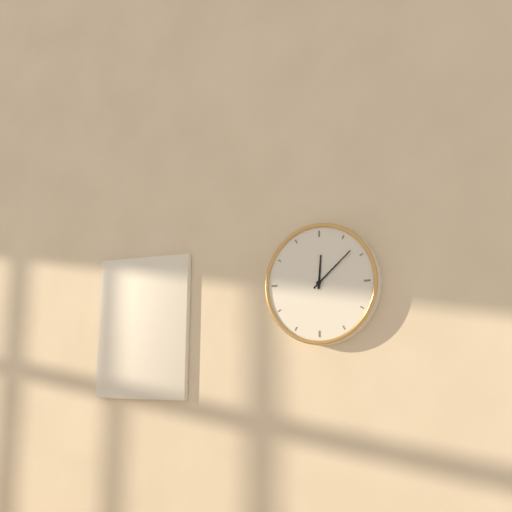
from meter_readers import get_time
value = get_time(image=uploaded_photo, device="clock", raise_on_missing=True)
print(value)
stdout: 12:08
